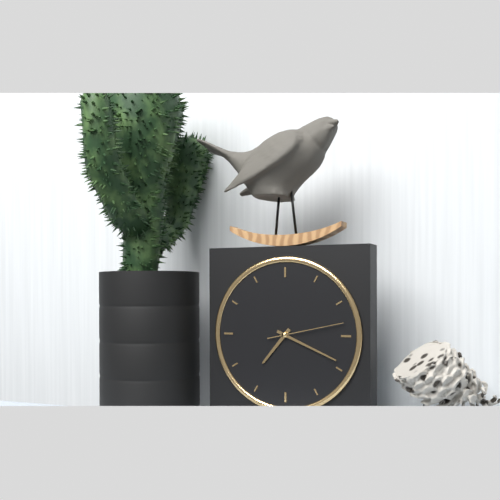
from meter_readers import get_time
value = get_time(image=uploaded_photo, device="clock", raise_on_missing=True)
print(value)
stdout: 7:19:13
